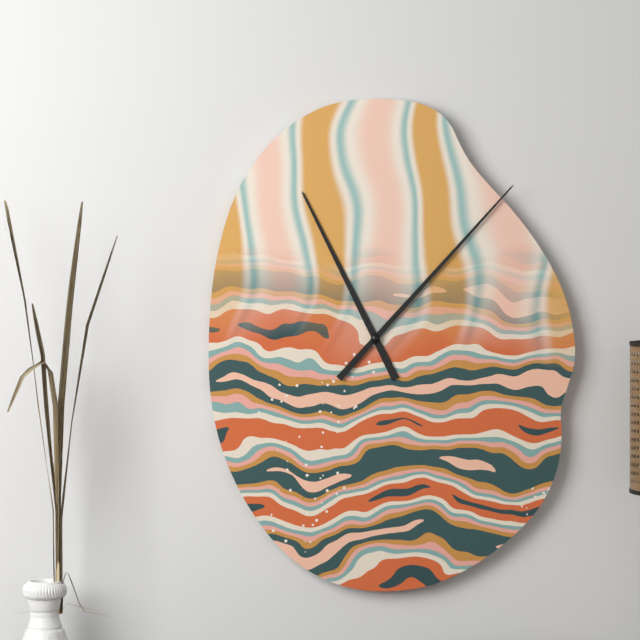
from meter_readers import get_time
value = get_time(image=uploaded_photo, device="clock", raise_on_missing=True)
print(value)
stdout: 11:07
